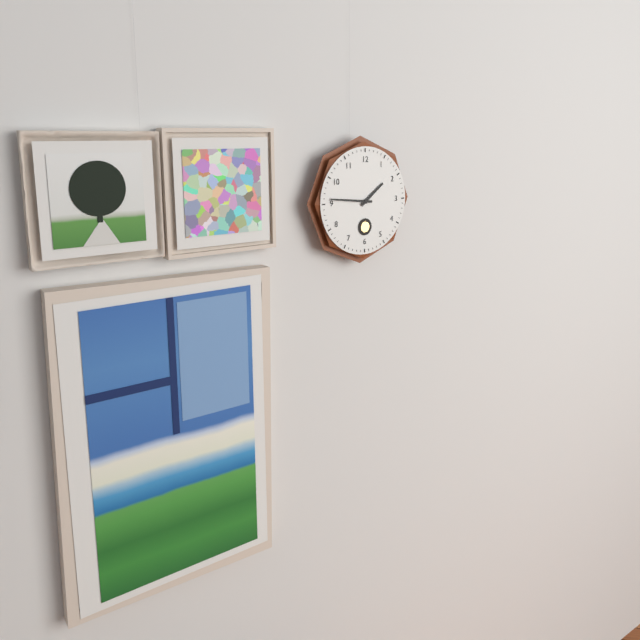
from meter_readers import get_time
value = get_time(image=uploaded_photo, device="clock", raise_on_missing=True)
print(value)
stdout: 1:46
